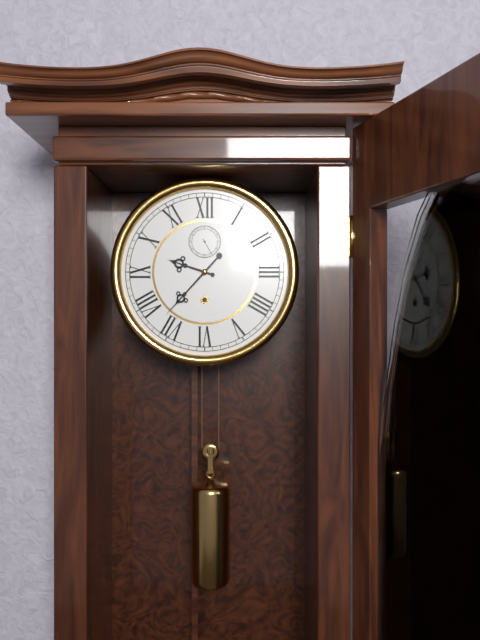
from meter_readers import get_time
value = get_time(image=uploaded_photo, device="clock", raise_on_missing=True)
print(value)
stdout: 9:37
